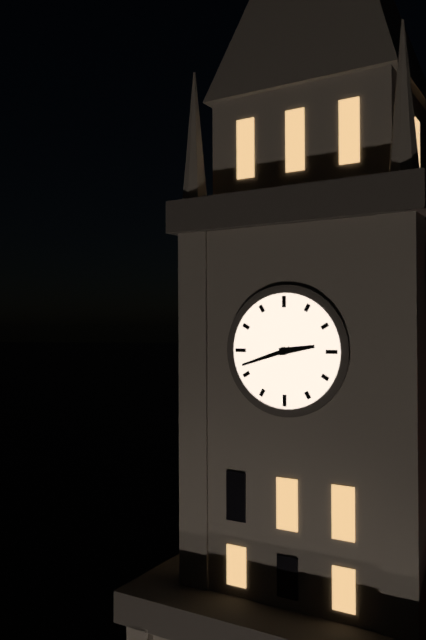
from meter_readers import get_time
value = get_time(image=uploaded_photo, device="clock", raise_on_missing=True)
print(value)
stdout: 2:42
